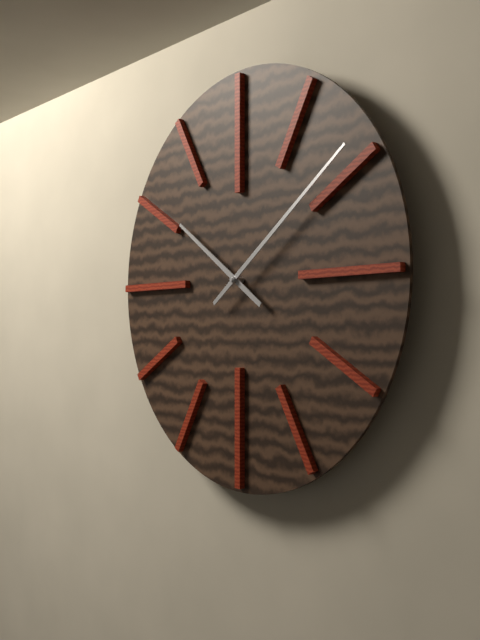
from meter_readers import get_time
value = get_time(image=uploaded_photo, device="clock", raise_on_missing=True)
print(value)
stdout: 10:09
